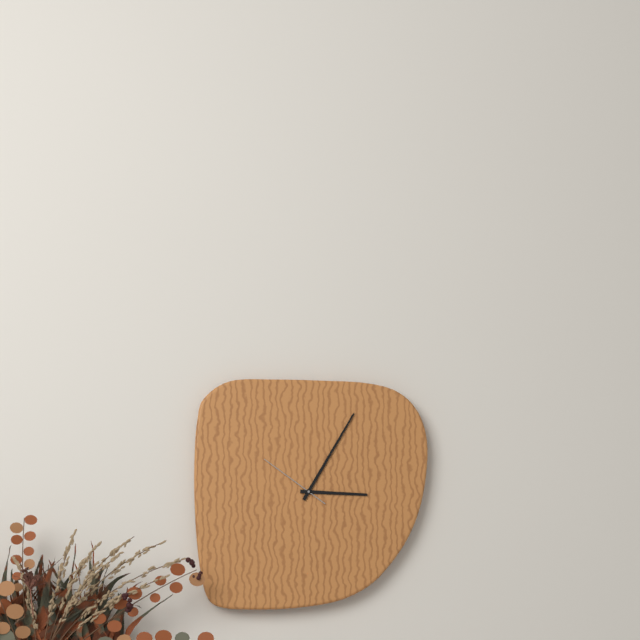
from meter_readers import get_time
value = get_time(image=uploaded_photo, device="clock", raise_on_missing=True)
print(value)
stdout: 3:05:51
